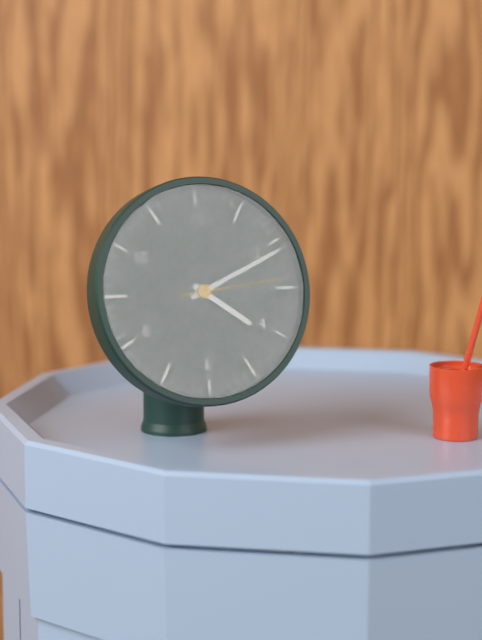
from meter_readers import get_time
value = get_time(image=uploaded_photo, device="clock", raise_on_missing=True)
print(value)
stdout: 4:11:14
